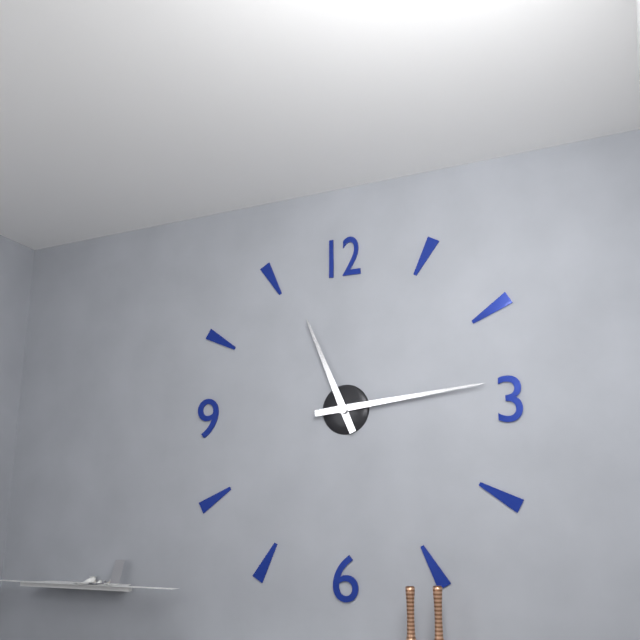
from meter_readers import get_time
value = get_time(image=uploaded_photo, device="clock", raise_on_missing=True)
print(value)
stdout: 11:14
